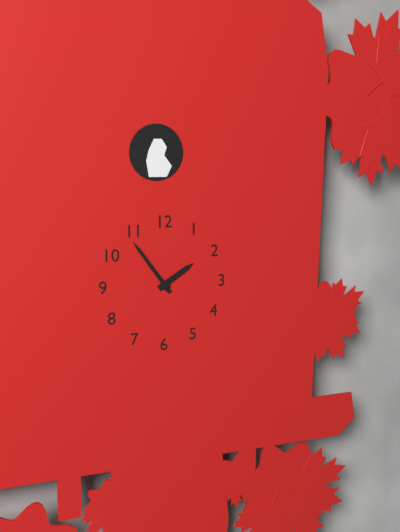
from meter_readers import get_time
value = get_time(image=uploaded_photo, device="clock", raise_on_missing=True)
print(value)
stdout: 1:54
